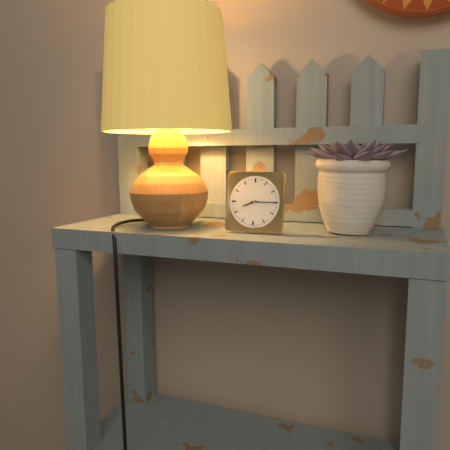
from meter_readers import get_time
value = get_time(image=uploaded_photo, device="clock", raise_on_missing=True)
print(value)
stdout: 8:15
